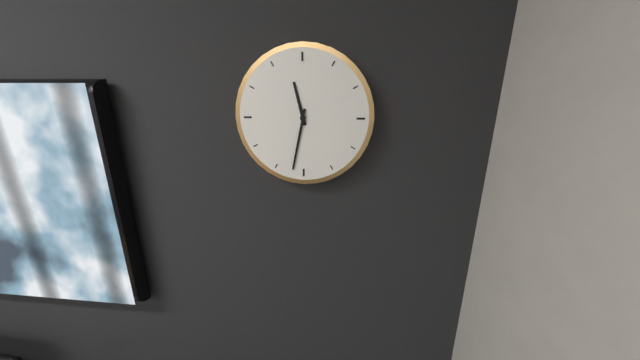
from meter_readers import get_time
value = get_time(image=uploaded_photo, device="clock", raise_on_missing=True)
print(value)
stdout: 11:32
